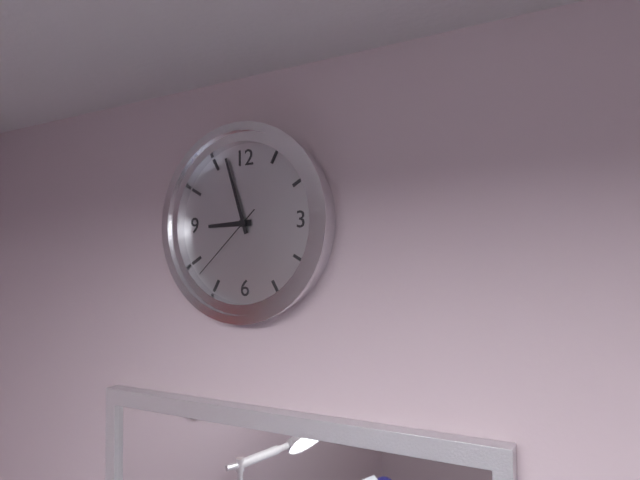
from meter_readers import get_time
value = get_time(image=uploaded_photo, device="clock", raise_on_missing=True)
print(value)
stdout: 8:57:38
